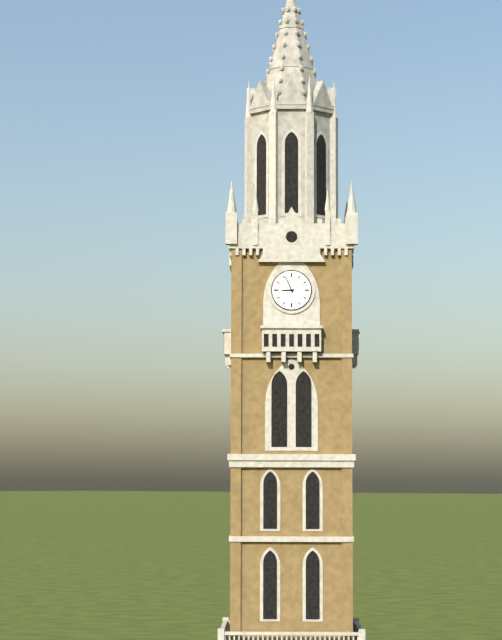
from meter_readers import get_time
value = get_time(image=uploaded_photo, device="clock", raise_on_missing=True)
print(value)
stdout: 8:56
